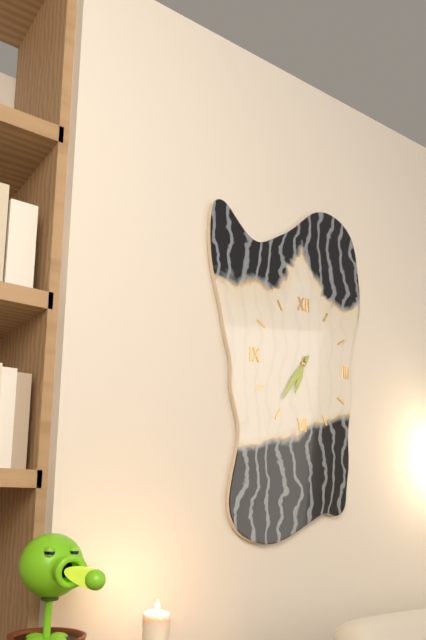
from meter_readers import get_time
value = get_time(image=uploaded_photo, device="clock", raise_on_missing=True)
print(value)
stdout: 6:36
